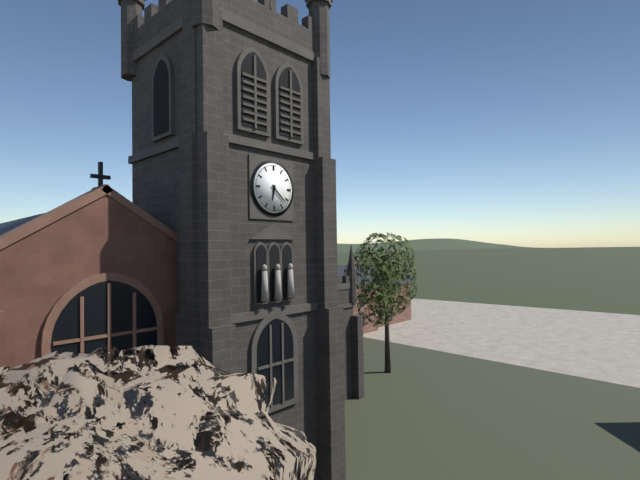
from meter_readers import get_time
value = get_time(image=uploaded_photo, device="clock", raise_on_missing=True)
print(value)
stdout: 6:22
